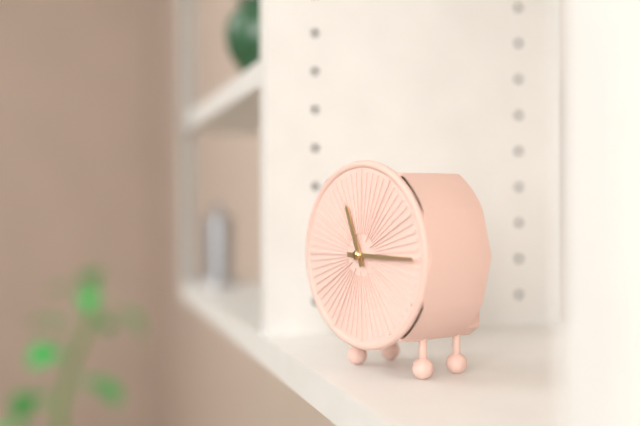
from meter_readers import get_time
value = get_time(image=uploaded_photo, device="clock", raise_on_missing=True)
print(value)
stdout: 11:15
